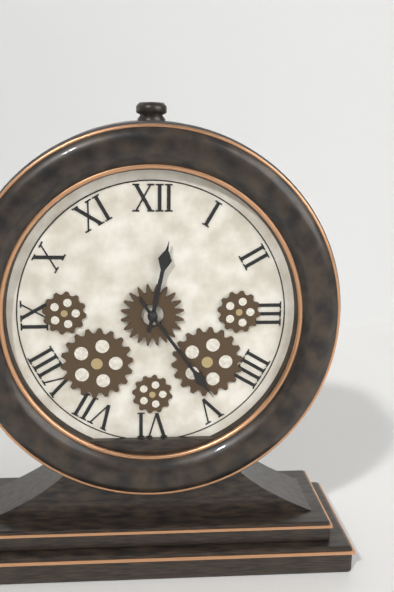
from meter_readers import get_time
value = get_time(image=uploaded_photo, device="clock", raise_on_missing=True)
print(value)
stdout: 12:24
